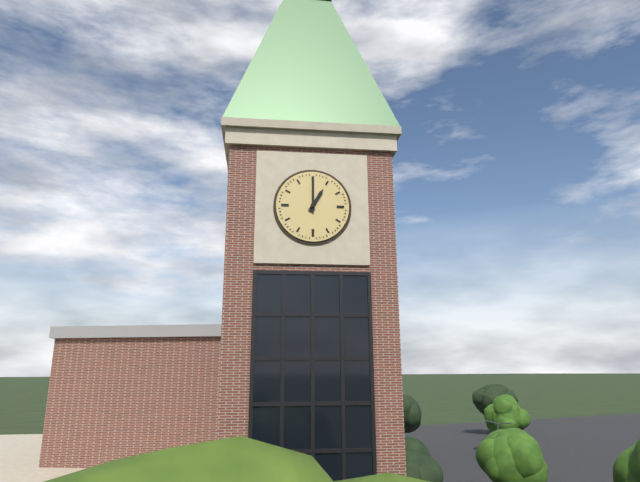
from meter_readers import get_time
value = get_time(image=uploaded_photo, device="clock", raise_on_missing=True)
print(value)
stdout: 1:00
